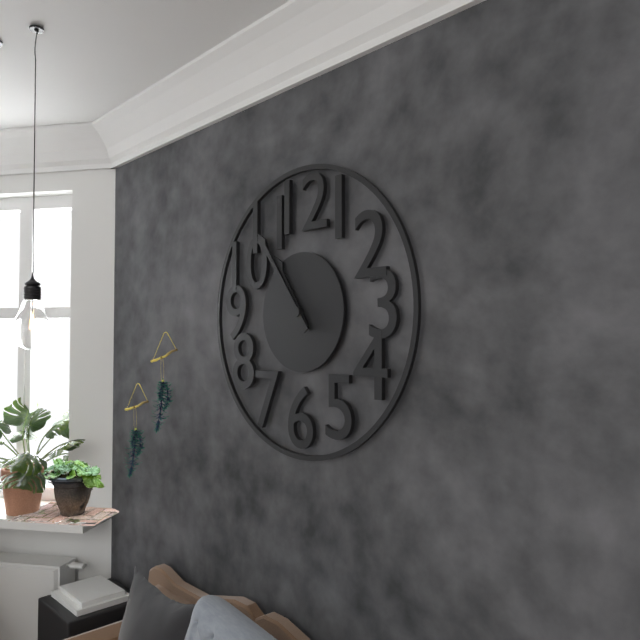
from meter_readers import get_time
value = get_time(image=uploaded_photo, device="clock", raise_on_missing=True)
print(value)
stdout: 10:54
